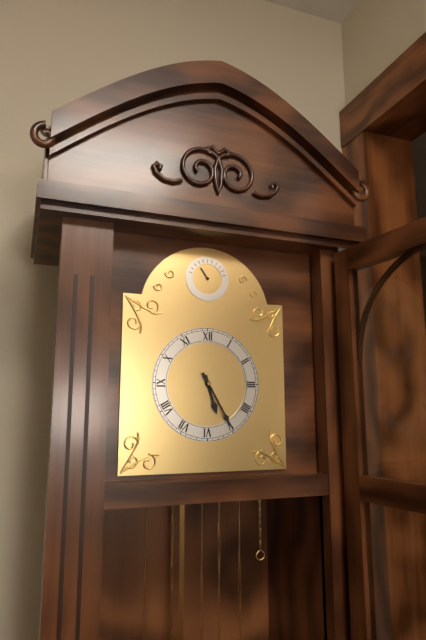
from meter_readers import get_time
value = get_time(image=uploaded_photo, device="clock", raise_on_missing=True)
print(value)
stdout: 5:25
